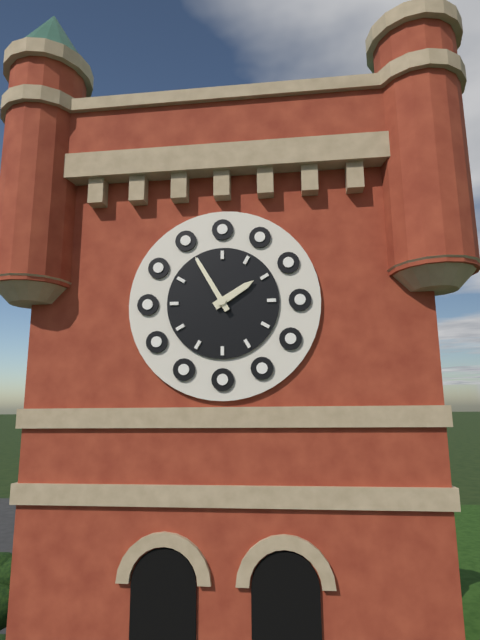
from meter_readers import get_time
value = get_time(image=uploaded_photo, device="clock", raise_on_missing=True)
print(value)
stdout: 1:55
